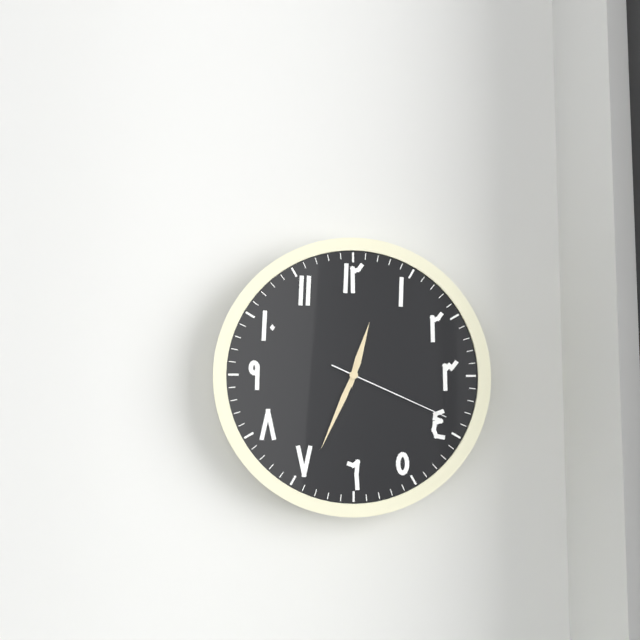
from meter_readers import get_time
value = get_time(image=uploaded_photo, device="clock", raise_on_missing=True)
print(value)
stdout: 12:34:19
